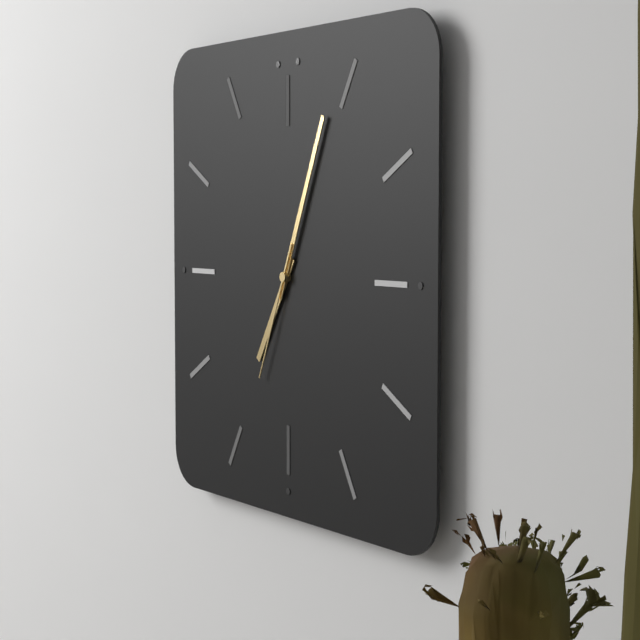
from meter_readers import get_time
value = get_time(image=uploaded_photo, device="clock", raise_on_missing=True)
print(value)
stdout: 7:04:34
